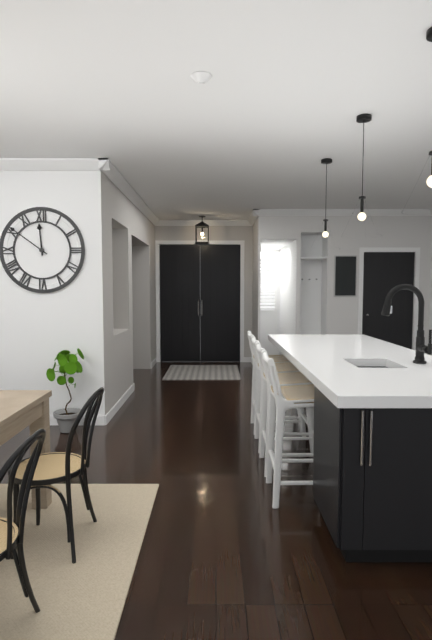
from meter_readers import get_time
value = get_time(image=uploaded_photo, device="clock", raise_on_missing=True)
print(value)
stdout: 11:51
